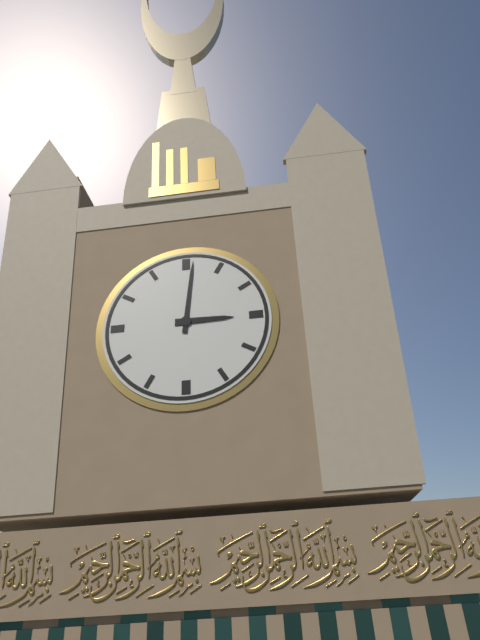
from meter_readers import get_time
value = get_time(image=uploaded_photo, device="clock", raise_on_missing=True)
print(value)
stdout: 3:01
